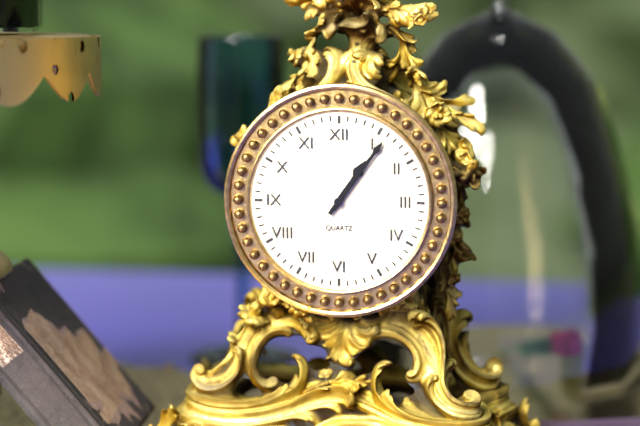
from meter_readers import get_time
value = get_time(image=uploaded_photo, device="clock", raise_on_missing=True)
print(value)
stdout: 1:06
